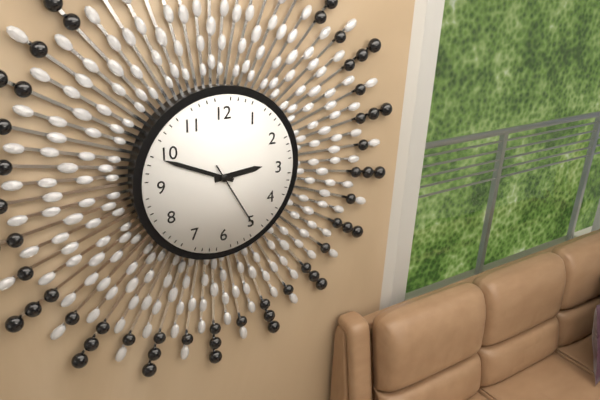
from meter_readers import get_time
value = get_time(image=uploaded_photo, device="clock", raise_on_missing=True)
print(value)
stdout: 2:49:25
